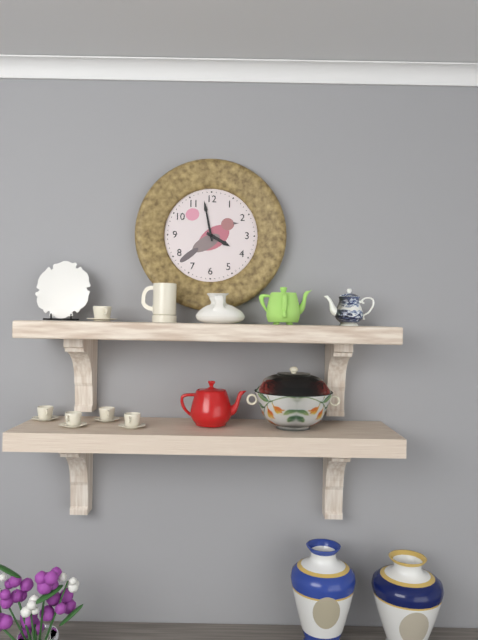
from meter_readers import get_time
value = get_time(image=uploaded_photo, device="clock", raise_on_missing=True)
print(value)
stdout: 3:58
